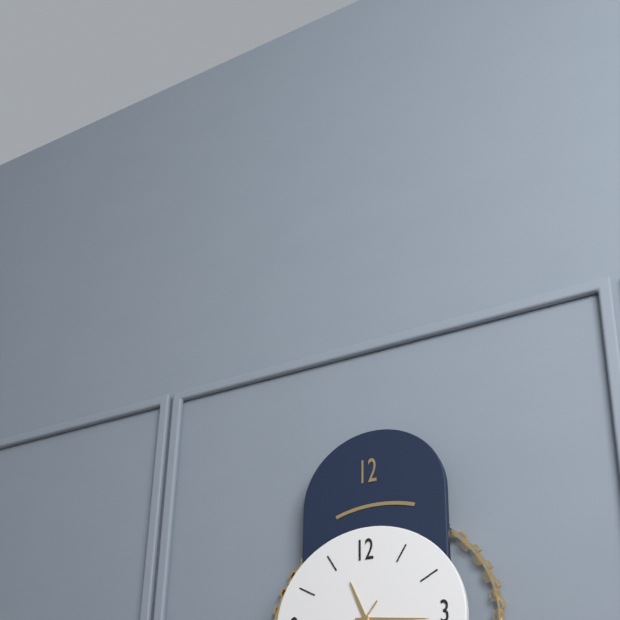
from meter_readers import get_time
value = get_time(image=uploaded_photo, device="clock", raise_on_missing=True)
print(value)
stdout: 11:16
